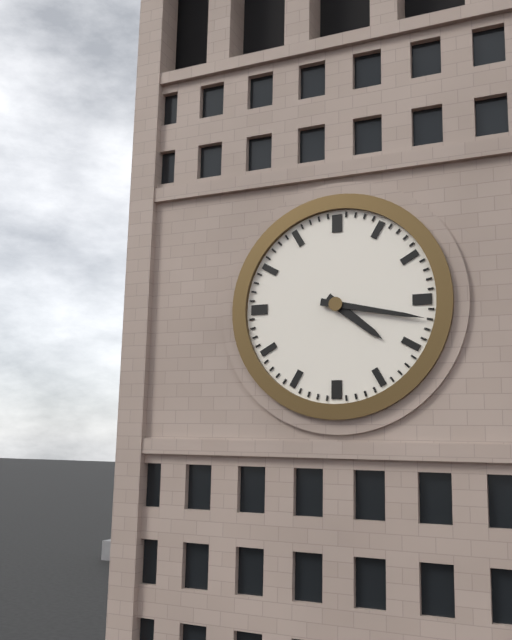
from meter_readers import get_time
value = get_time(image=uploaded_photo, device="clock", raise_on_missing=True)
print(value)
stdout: 4:17
